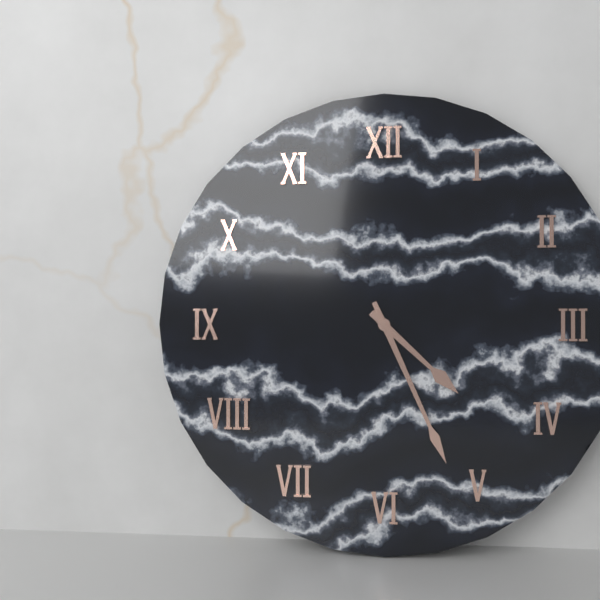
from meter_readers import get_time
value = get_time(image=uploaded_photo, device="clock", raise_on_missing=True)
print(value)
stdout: 4:26
